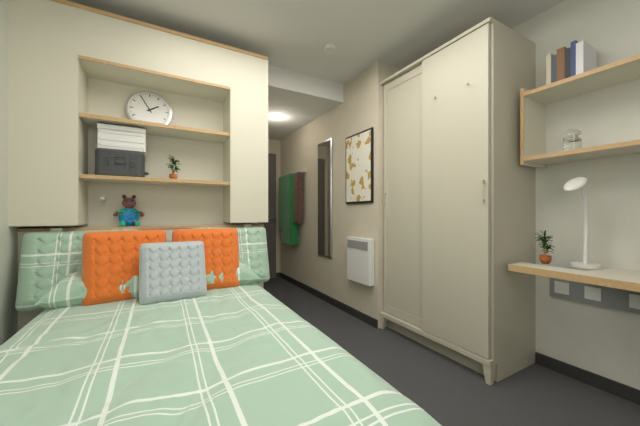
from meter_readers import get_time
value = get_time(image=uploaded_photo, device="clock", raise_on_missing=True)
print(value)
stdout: 1:55
